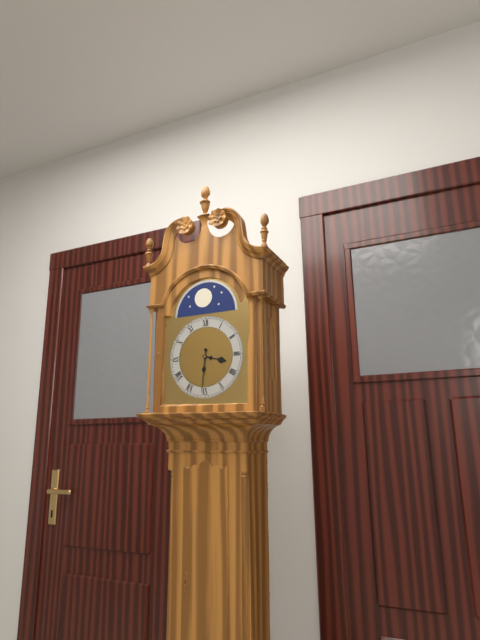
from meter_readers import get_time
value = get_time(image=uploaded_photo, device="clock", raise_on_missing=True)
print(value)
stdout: 3:31
